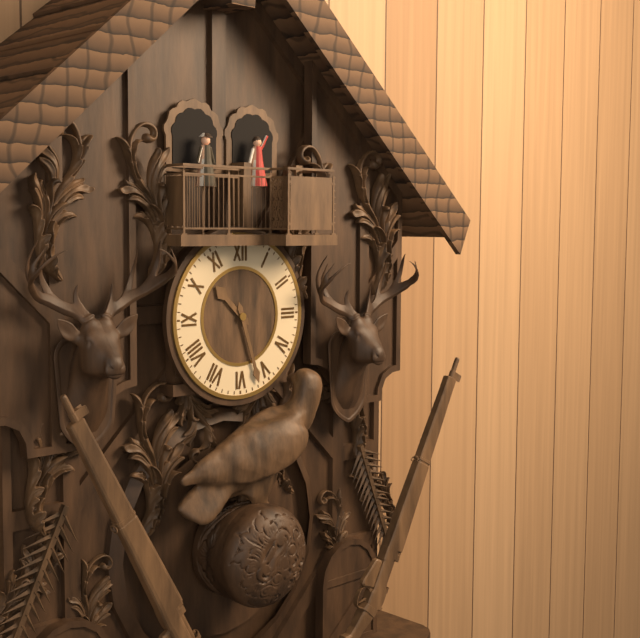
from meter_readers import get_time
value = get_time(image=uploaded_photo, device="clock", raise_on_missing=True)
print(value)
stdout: 10:27
